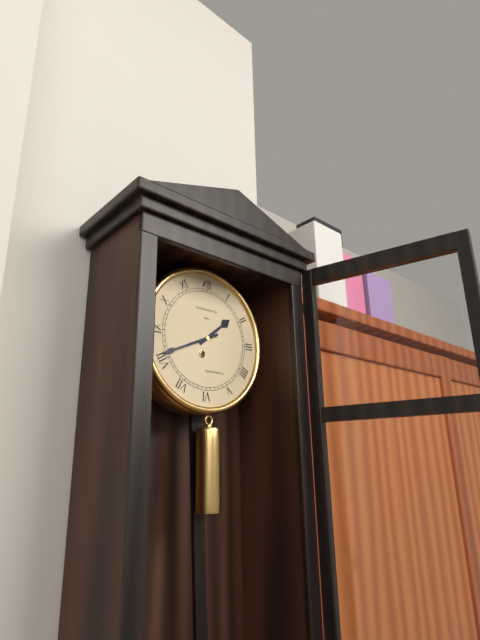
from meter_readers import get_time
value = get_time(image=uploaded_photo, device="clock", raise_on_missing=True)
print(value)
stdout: 1:41
